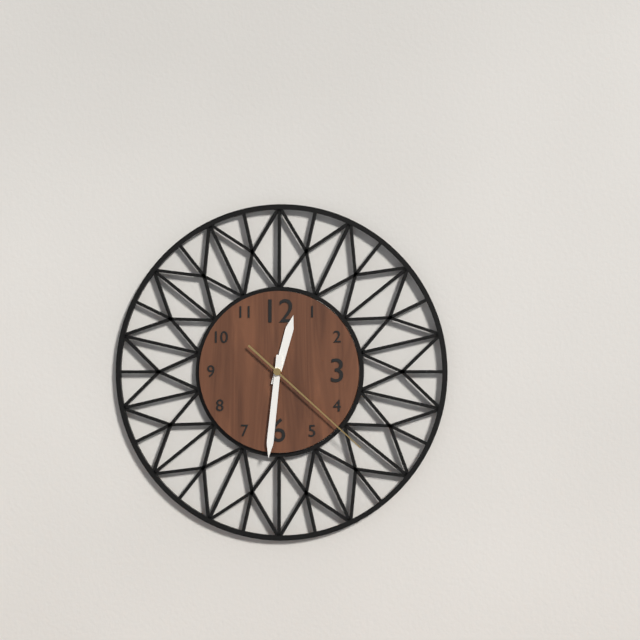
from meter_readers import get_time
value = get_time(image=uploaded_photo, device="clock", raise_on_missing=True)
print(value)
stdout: 12:31:22
